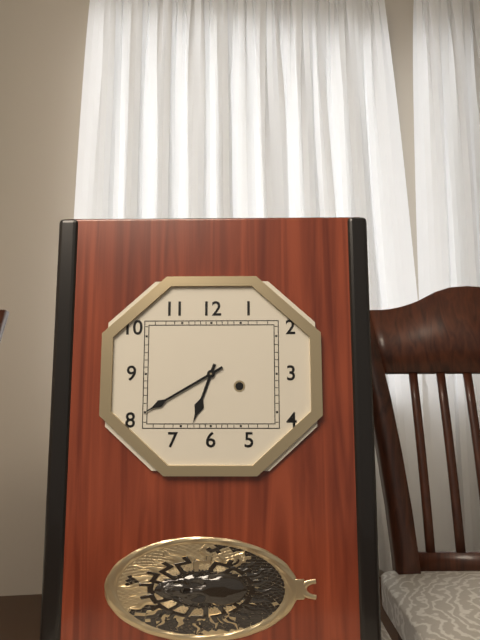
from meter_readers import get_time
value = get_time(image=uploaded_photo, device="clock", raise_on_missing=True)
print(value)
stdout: 6:40
